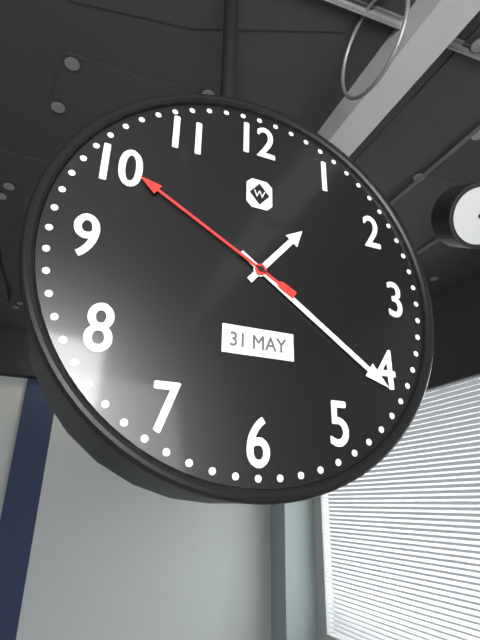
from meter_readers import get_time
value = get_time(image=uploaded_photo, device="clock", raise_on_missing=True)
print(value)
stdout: 1:21:50
